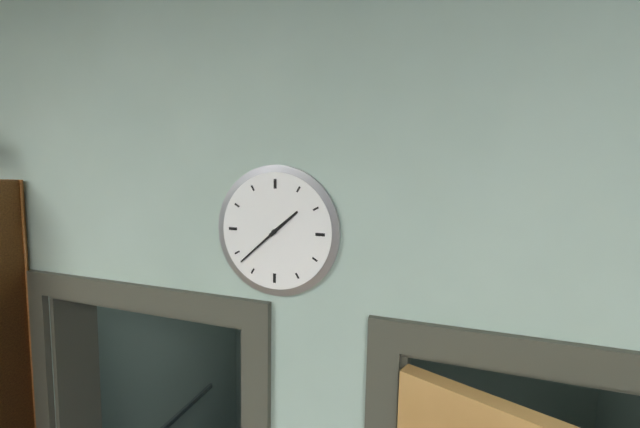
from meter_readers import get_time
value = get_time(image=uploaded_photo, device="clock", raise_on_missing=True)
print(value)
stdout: 1:38
